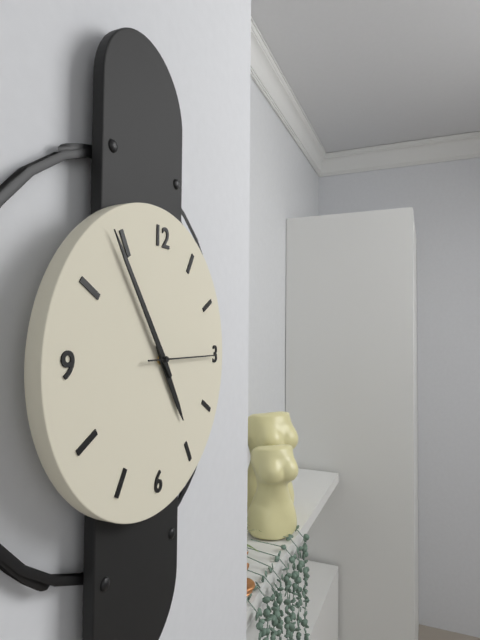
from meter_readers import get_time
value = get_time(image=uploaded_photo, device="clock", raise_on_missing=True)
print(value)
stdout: 4:54:15
